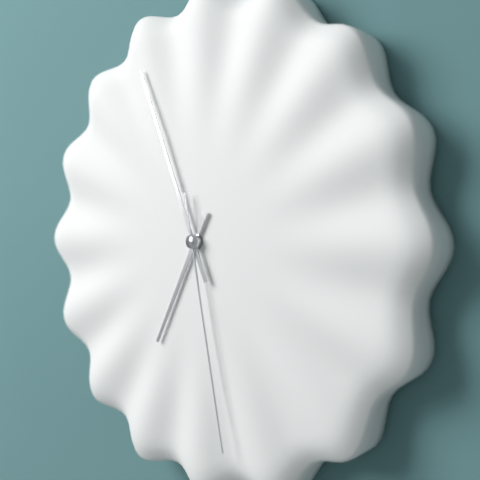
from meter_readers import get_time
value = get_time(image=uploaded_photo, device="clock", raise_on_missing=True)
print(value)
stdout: 6:56:28
